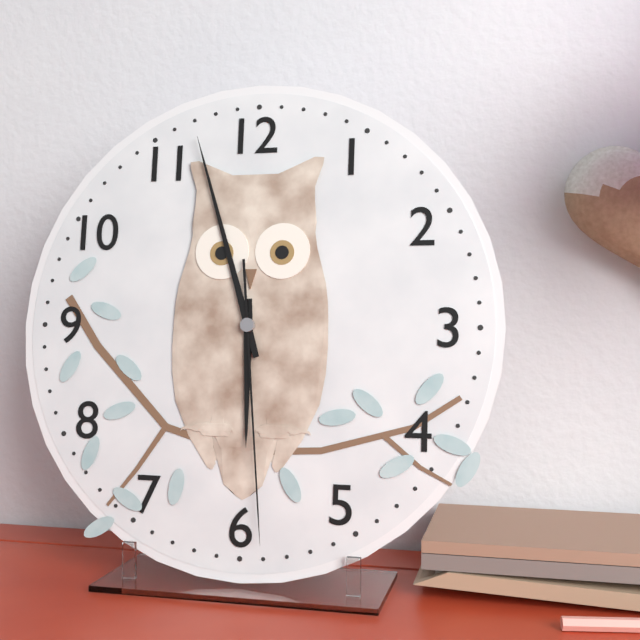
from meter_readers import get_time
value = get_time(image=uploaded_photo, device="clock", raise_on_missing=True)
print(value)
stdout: 5:57:29
